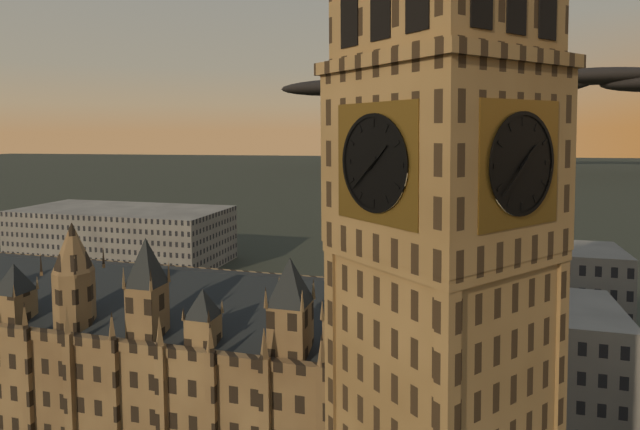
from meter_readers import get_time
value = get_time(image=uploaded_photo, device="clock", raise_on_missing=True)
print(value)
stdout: 1:38
